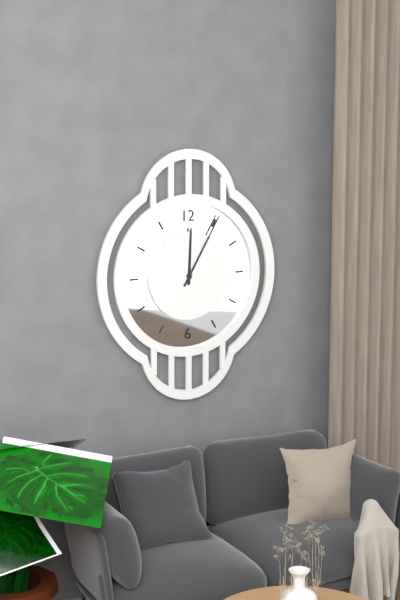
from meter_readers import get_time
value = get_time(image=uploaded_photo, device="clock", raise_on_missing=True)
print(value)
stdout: 12:05
